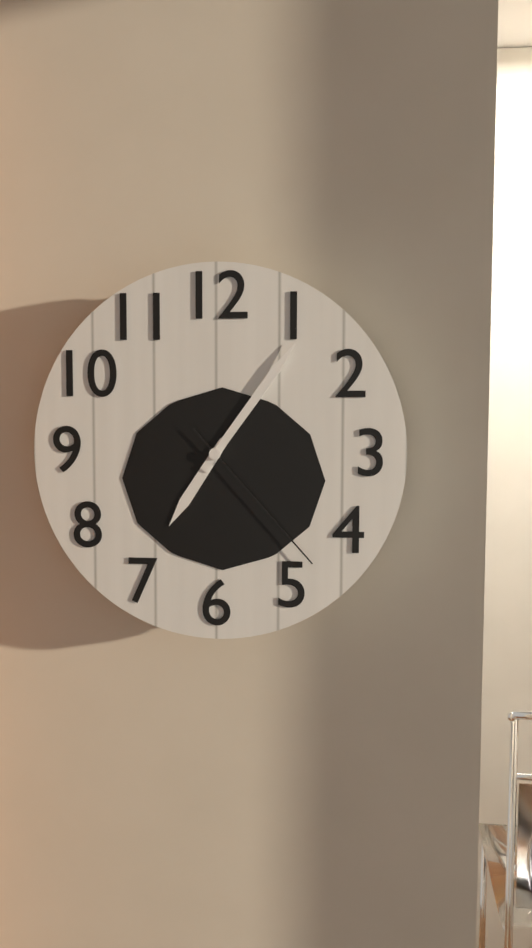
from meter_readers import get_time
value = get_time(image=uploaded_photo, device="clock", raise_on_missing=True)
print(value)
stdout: 7:06:23
